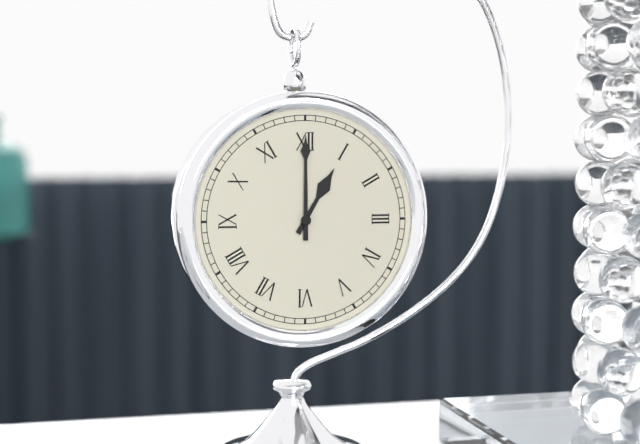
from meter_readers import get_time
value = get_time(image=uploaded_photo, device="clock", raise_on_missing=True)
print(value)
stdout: 1:00
